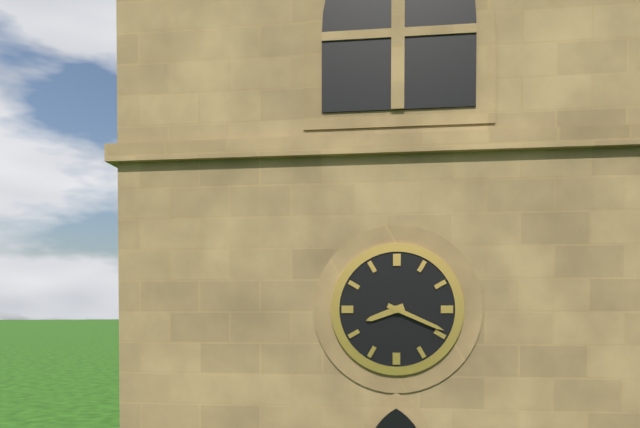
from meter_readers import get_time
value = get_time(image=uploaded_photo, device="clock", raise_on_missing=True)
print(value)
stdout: 8:19
